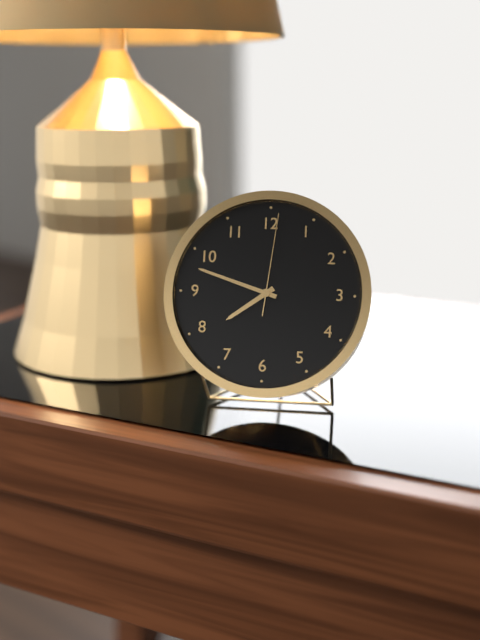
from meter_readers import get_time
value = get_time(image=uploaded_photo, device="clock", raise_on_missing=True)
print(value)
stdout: 7:48:01
